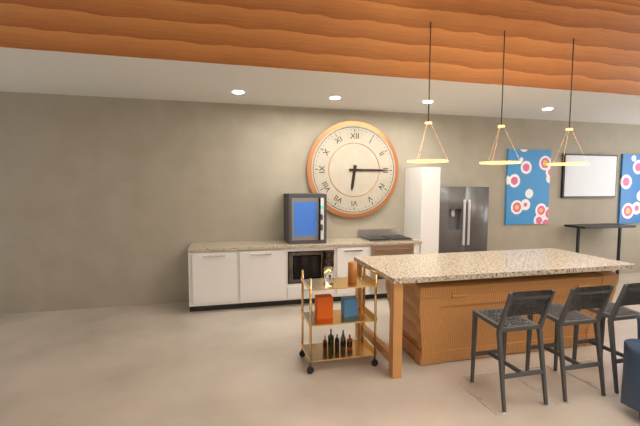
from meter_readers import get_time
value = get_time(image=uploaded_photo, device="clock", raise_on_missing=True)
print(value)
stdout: 6:15
